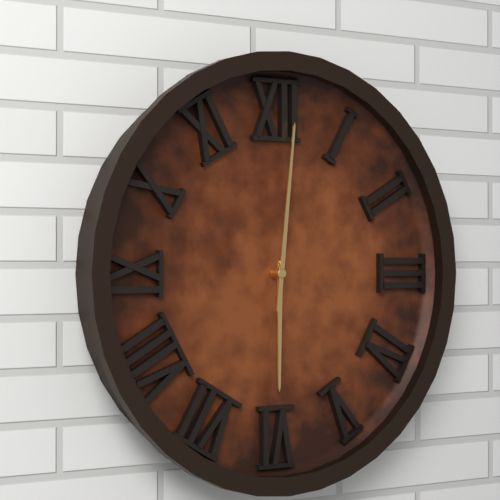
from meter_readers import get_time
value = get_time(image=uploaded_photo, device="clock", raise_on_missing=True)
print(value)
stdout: 6:01
